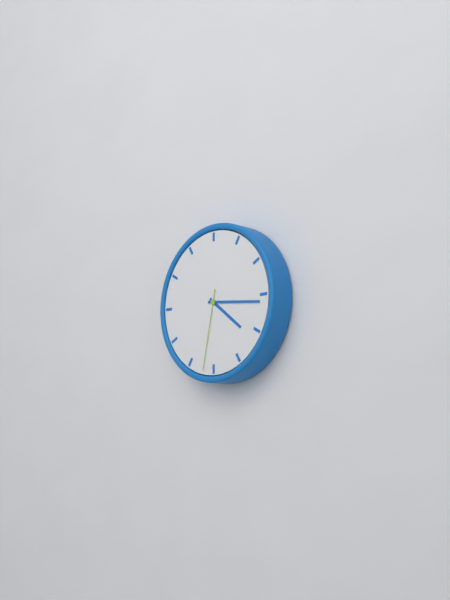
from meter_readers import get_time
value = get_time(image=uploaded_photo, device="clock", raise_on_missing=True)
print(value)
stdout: 4:16:32
